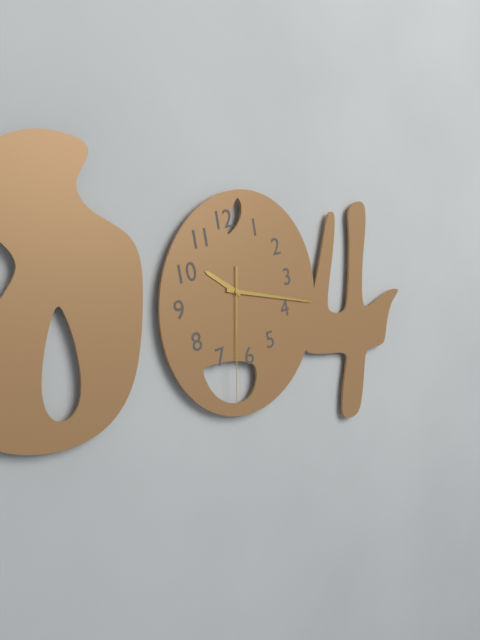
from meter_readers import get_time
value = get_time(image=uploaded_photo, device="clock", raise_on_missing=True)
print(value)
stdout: 10:18:32
